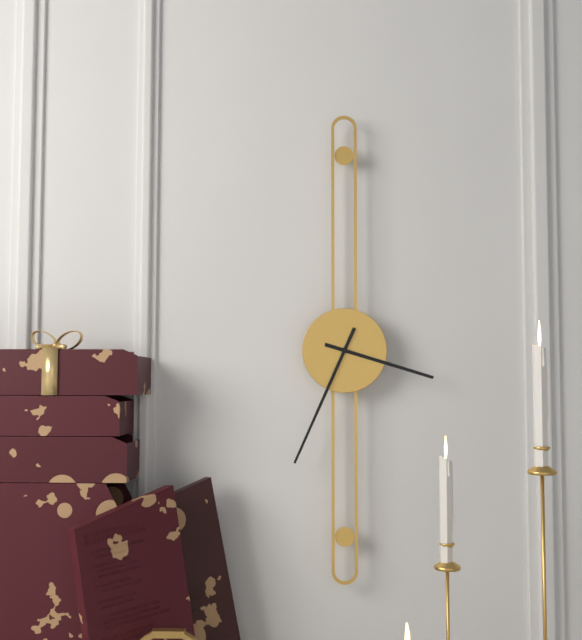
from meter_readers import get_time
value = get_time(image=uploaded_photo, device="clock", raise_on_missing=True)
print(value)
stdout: 3:34
